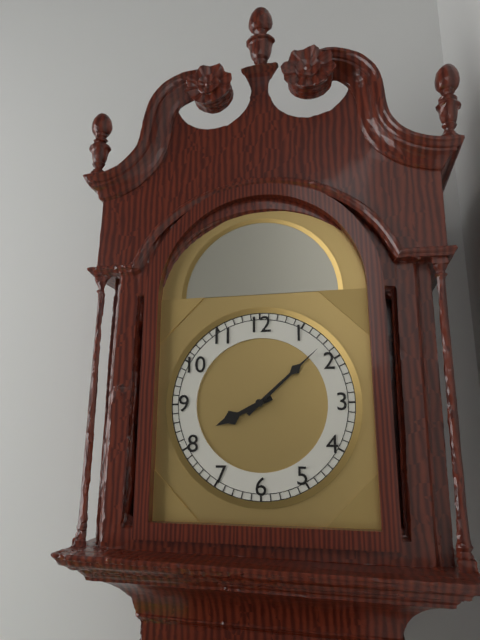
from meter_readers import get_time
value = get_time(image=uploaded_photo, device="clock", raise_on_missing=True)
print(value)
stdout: 8:08
